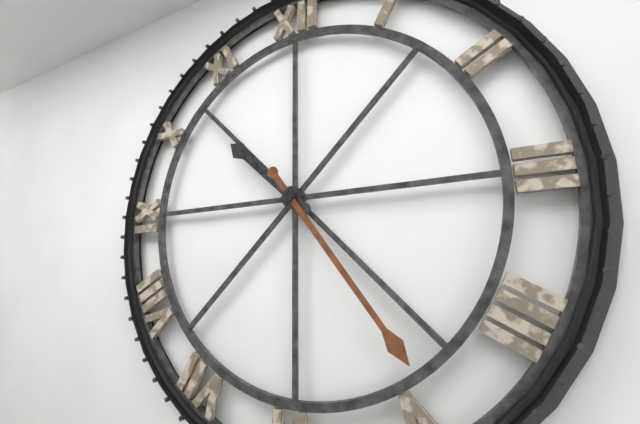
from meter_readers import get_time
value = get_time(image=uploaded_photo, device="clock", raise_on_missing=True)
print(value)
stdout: 10:24
